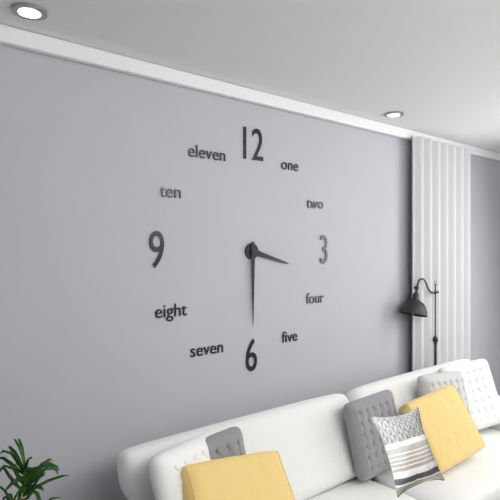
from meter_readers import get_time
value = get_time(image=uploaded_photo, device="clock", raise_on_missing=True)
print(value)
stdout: 3:30
